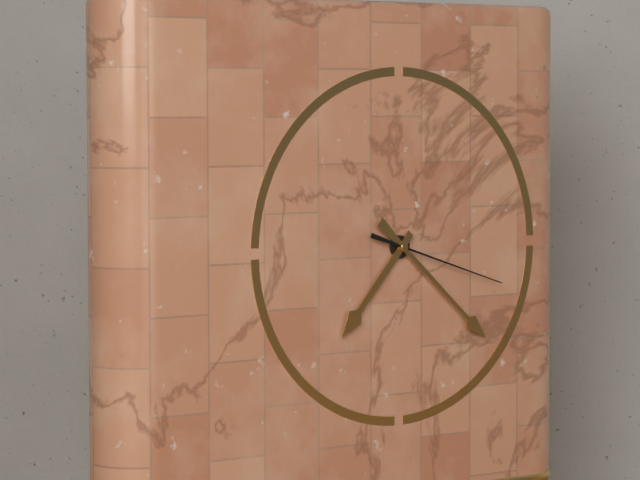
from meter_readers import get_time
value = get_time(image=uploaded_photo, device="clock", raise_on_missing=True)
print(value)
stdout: 7:22:18
